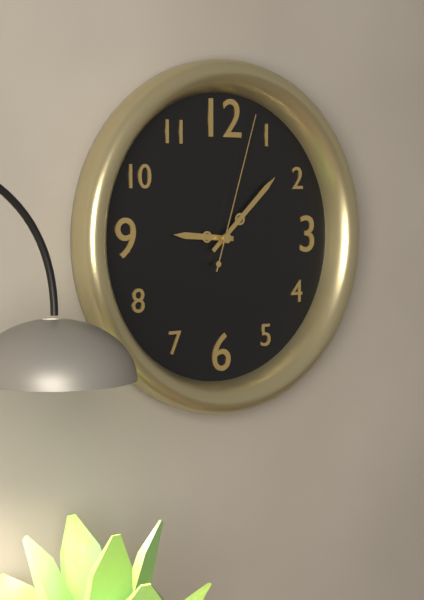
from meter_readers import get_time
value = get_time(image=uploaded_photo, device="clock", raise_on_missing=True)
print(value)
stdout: 9:08:03
